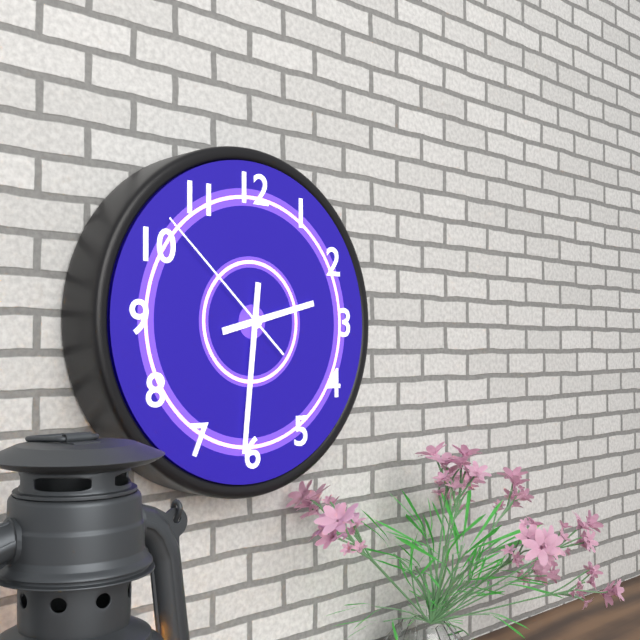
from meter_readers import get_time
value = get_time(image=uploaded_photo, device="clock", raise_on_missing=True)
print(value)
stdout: 2:31:52
